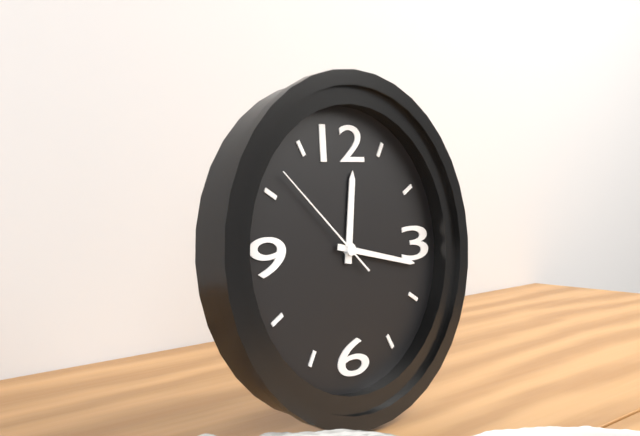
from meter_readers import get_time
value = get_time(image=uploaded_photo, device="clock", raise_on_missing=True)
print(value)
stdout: 12:17:52
